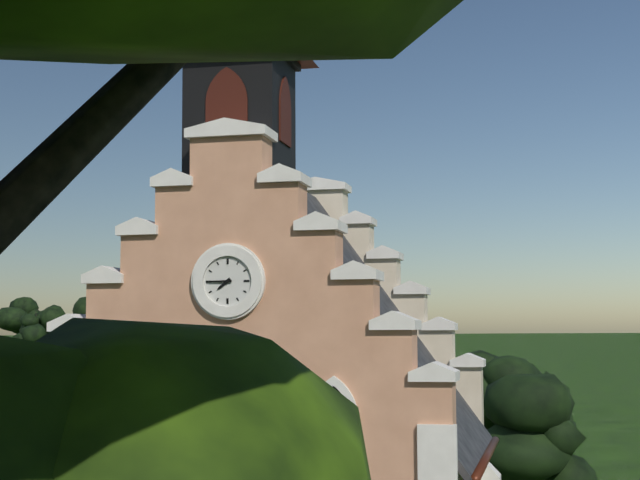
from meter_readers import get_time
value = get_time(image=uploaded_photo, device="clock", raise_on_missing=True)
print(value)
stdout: 7:45
